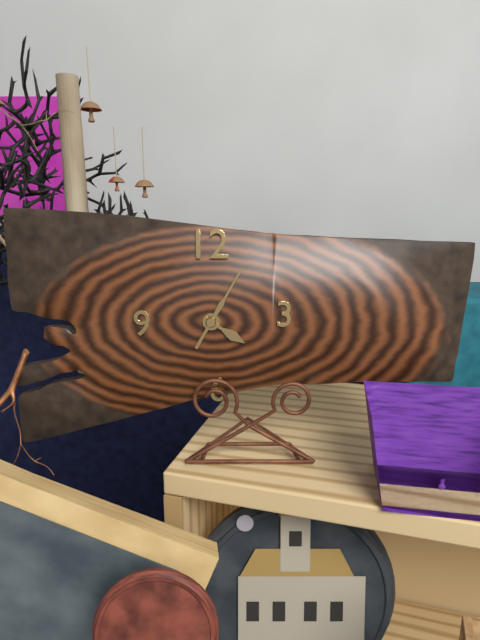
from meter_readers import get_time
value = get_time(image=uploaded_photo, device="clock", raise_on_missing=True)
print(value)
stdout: 4:05
